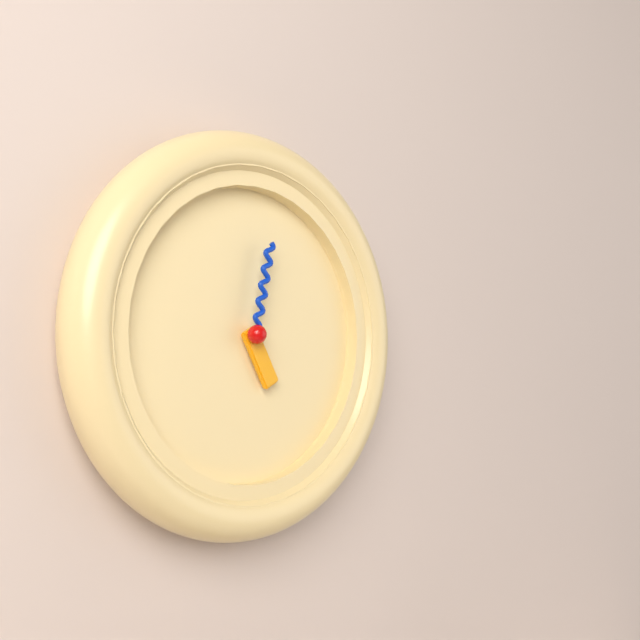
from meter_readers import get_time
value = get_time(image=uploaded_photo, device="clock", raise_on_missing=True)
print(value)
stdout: 5:02
